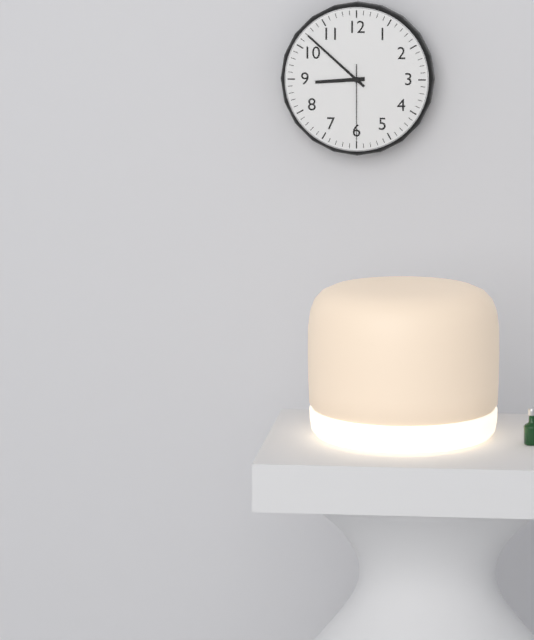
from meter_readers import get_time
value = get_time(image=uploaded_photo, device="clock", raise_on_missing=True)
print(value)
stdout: 8:52:30
